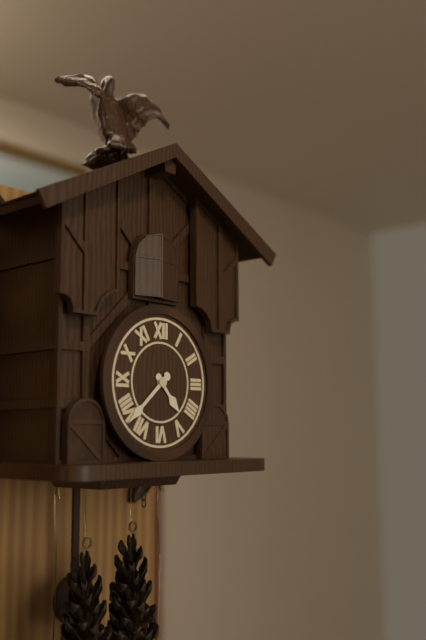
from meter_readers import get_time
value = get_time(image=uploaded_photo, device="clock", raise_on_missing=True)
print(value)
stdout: 4:38
